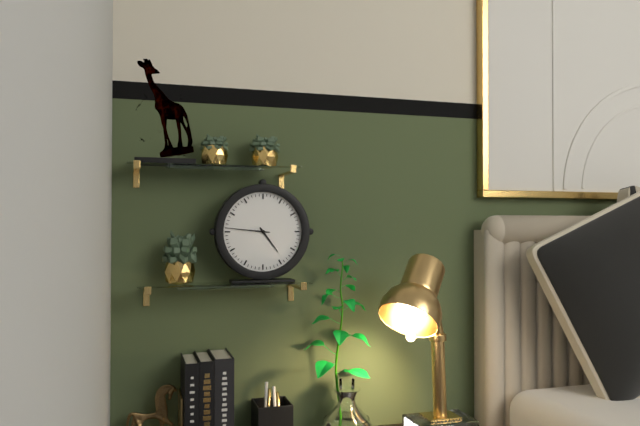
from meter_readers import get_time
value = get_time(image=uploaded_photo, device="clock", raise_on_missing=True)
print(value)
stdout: 4:46
